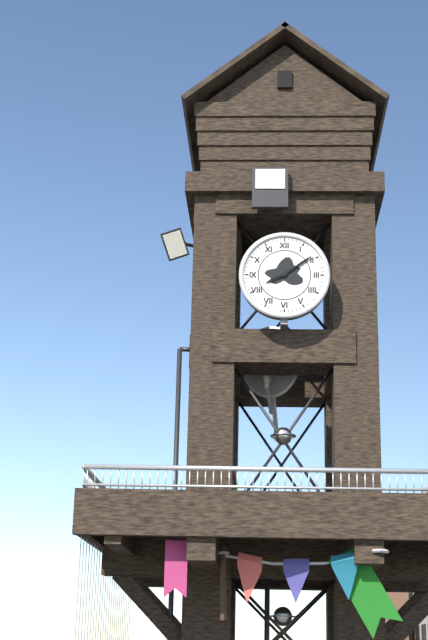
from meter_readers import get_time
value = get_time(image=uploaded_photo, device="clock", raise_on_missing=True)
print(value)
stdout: 8:09
